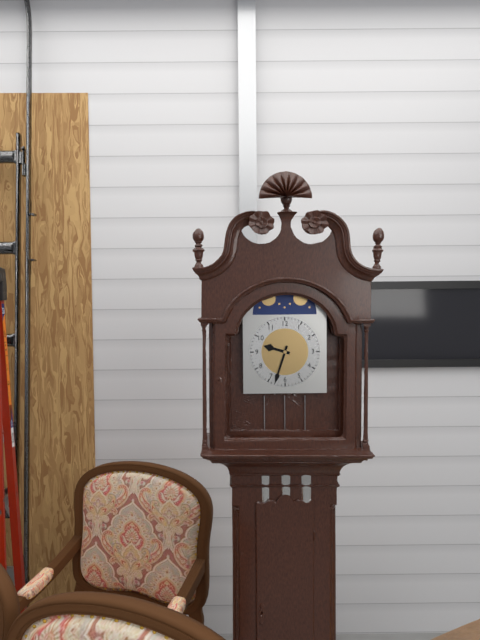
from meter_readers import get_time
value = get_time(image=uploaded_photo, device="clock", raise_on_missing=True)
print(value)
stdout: 9:33
